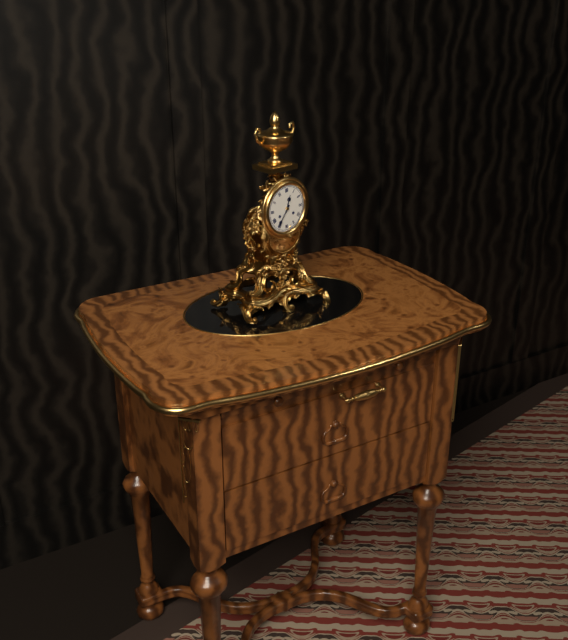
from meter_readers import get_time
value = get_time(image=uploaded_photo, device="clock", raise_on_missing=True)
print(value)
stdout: 12:36
